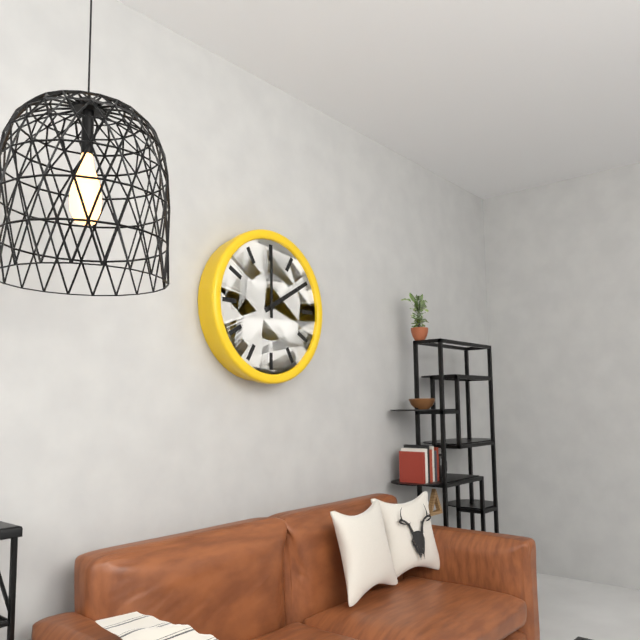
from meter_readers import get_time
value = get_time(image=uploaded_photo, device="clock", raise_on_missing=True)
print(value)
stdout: 2:00
